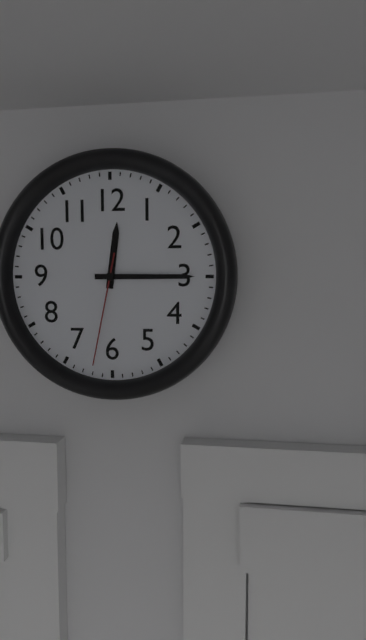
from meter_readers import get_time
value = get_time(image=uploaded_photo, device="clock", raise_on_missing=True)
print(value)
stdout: 12:15:32
